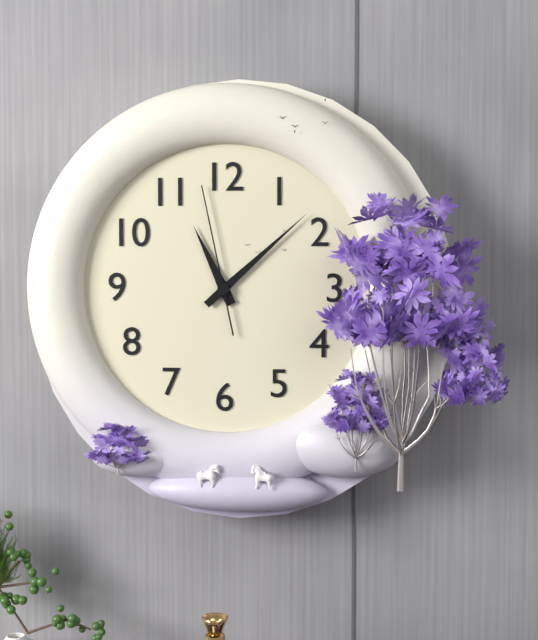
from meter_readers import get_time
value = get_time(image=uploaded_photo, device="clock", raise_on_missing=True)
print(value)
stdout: 11:08:58
